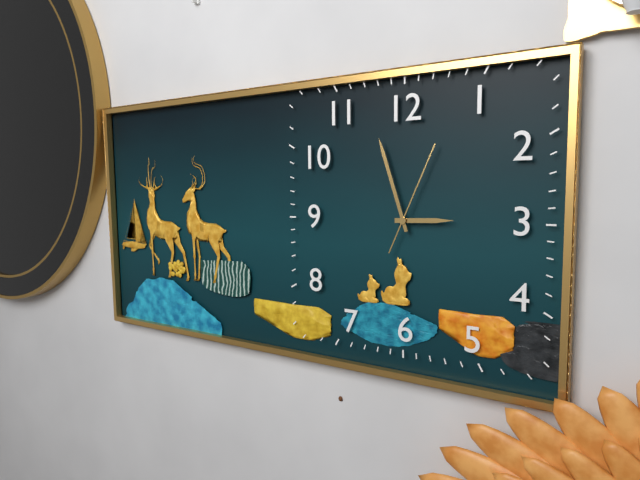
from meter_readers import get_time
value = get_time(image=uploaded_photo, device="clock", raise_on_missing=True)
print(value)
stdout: 2:57:04
